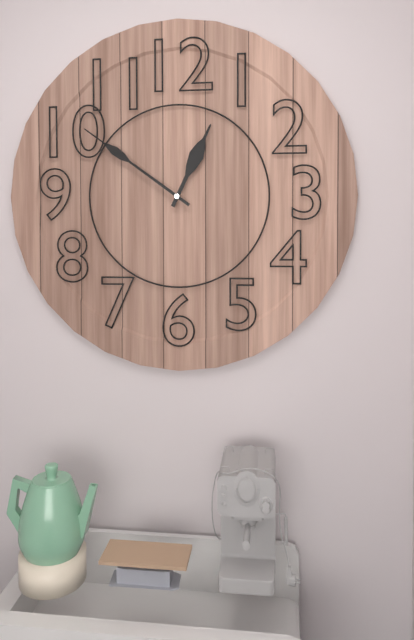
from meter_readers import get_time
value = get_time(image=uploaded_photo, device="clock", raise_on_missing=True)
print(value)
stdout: 12:51
